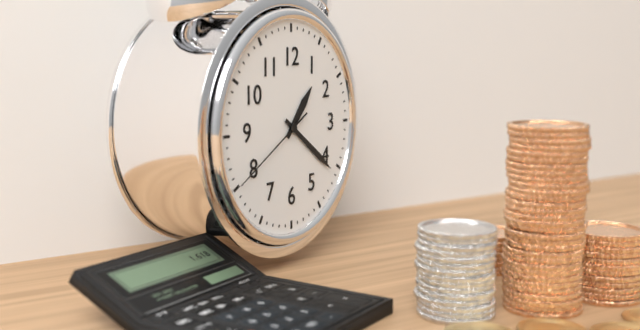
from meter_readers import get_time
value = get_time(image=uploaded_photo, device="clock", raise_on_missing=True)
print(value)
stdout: 1:21:40
